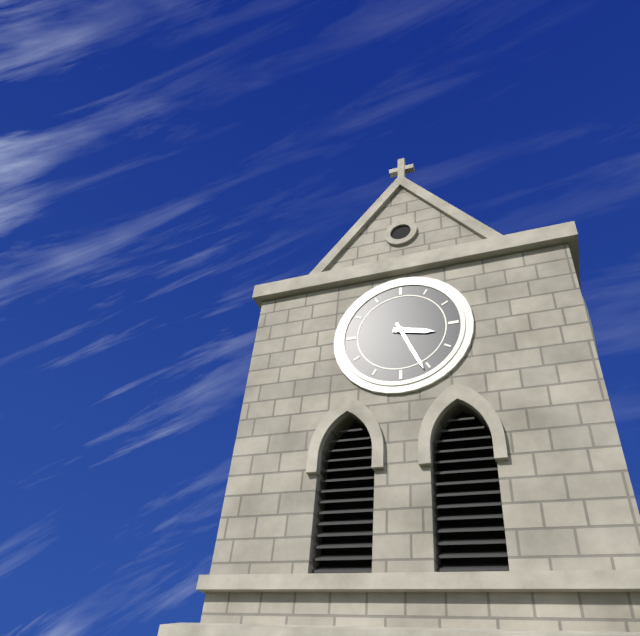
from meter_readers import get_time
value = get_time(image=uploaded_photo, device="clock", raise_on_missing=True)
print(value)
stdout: 3:26
